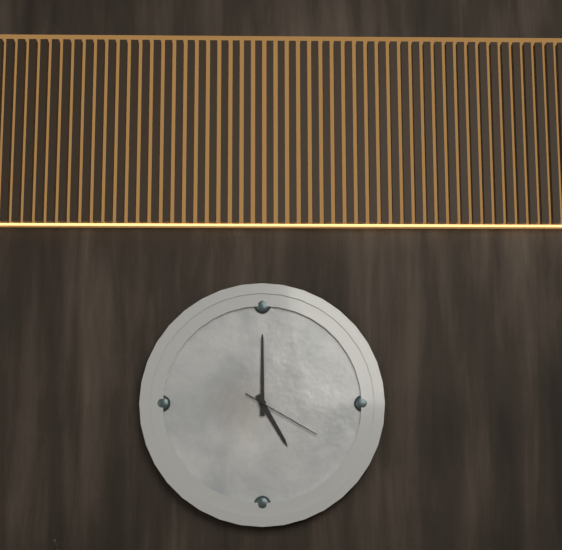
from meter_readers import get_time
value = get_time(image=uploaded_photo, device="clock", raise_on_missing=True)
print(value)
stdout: 5:00:20
